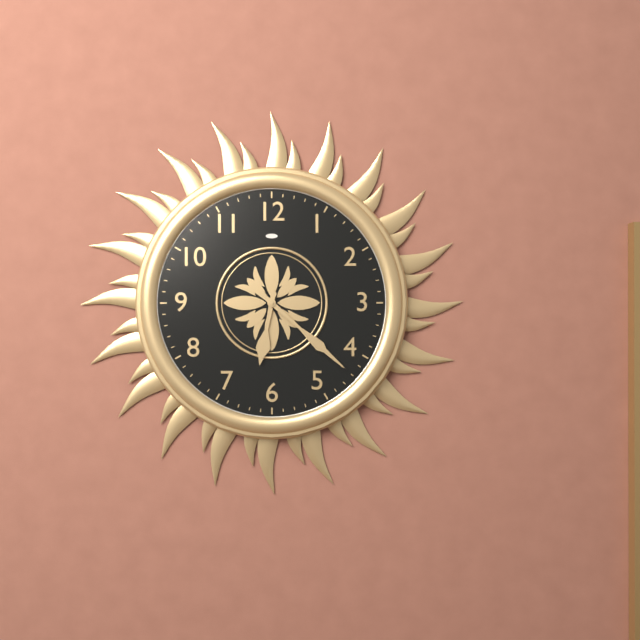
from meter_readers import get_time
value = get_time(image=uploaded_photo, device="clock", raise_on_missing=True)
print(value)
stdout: 6:22
